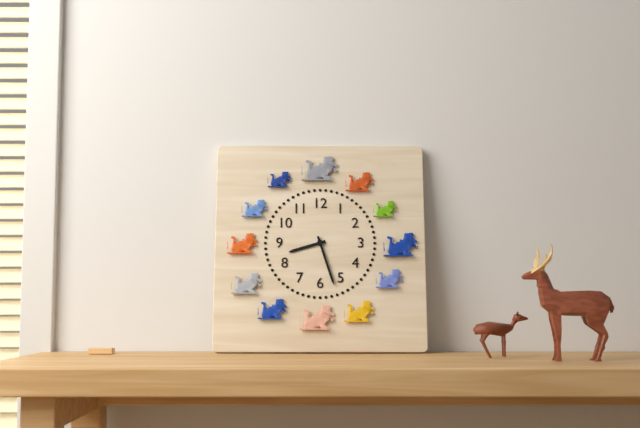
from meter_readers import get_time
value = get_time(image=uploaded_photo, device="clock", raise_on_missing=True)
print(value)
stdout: 8:27
